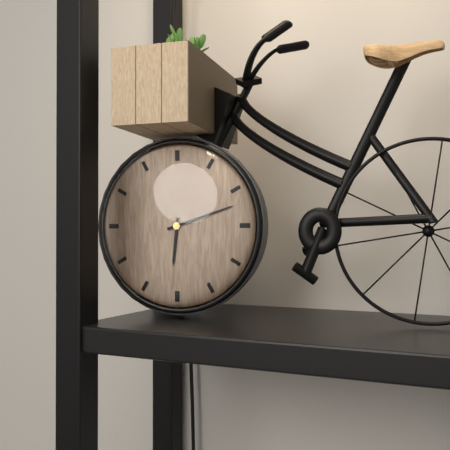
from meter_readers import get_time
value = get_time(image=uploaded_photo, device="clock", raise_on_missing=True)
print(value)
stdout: 6:12
